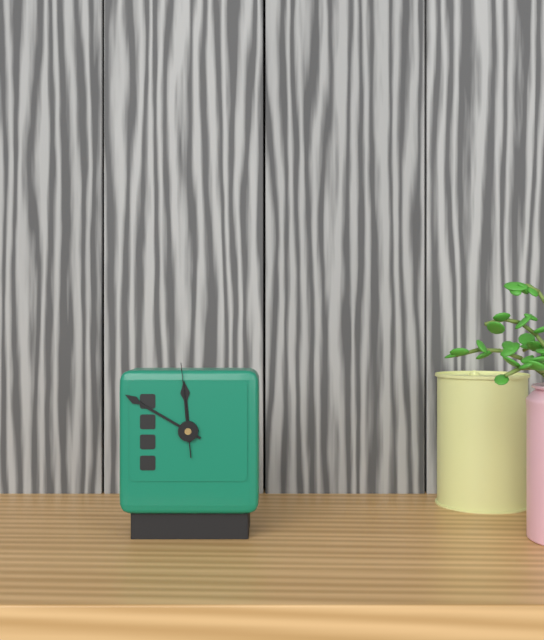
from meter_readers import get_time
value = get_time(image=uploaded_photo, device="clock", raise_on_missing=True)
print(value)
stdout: 11:50:59
